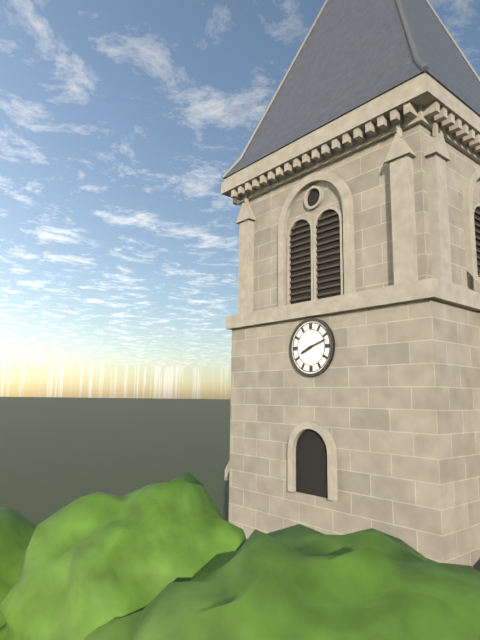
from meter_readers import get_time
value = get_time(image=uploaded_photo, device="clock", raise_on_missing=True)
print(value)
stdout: 8:12
